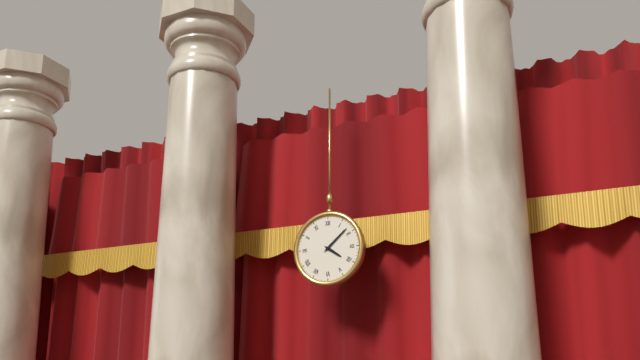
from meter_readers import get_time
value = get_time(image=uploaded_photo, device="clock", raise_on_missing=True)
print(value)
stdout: 4:08
